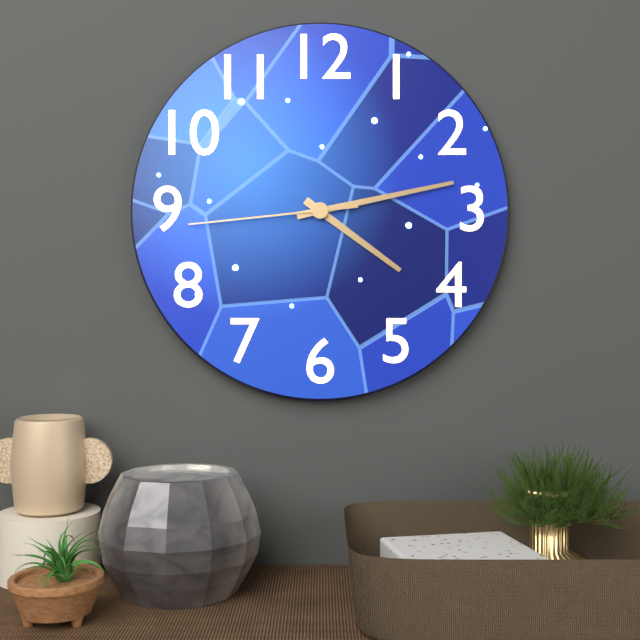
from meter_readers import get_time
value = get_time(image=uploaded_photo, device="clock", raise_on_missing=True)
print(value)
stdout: 4:13:44
